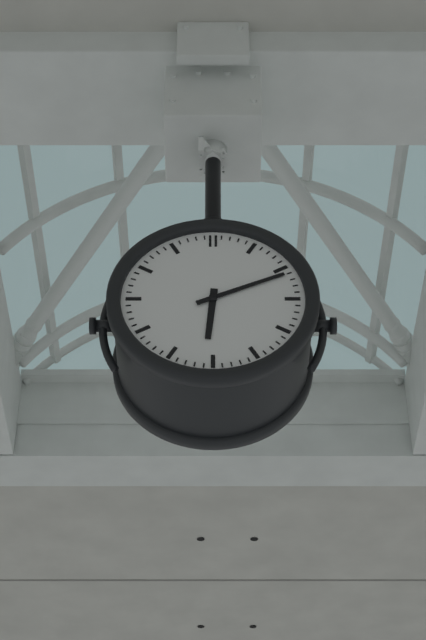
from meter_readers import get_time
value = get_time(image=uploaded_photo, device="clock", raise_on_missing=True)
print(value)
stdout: 6:11
